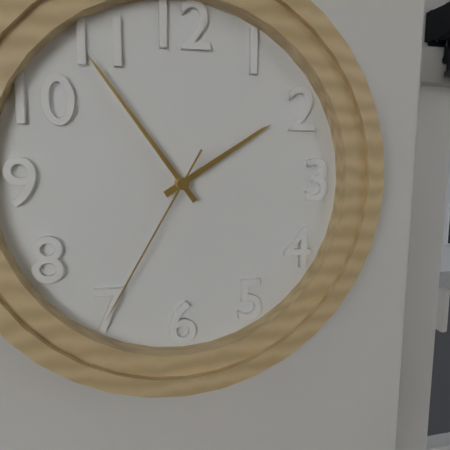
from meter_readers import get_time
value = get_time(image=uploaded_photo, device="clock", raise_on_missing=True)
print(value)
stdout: 1:54:35
